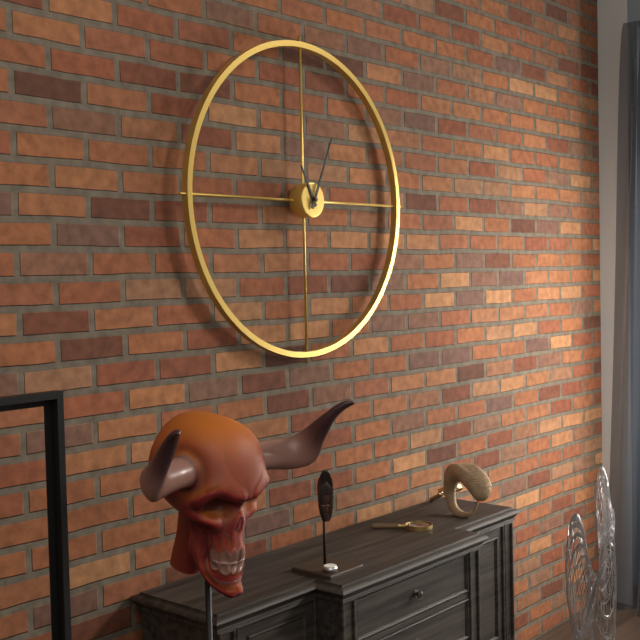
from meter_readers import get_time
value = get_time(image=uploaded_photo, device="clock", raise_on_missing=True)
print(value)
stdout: 11:04
